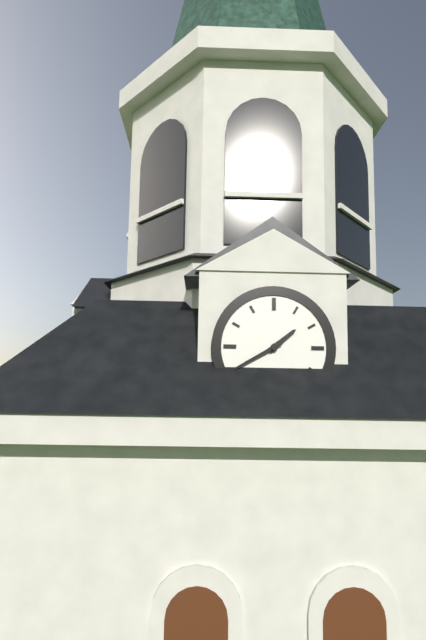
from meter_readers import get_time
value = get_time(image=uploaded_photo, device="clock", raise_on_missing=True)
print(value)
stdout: 1:40
